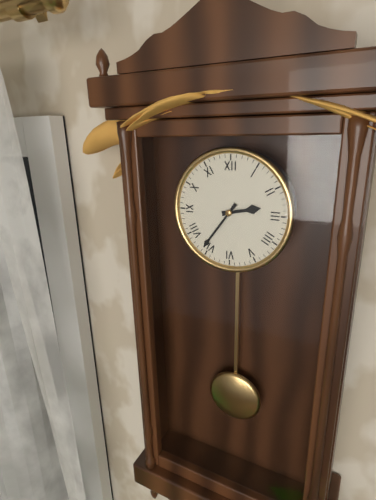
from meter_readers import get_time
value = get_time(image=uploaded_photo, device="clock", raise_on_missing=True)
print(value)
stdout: 2:36
